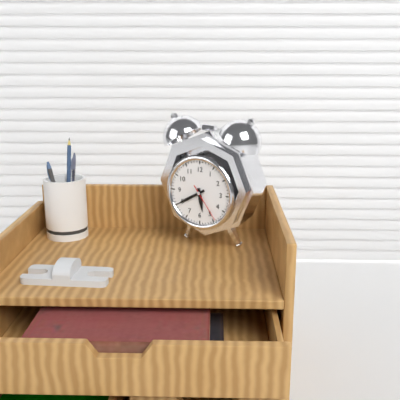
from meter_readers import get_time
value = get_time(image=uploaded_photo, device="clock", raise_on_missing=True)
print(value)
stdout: 5:40
